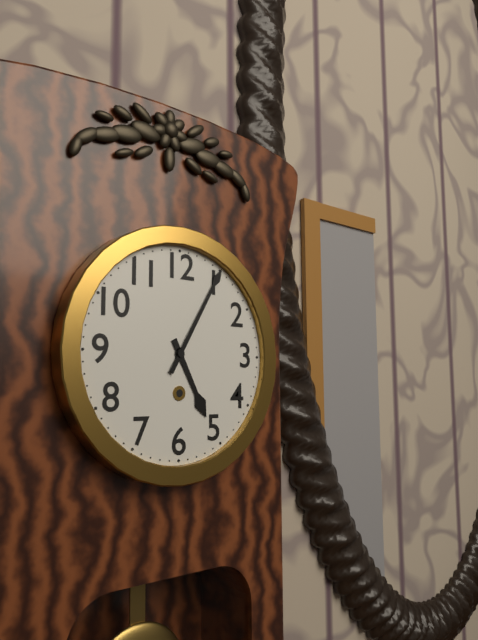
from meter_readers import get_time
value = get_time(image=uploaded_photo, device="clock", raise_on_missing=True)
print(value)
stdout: 5:05
